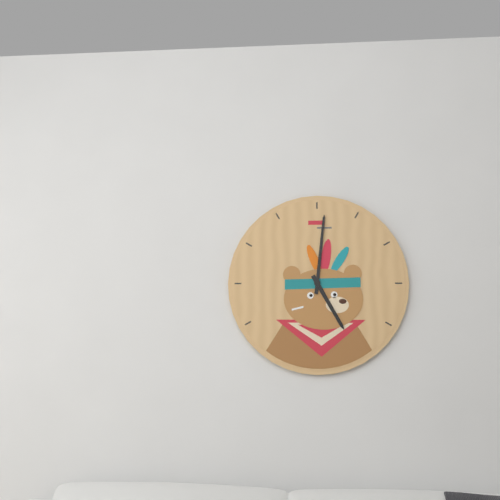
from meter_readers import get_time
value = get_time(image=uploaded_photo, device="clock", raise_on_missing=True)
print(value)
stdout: 5:01
